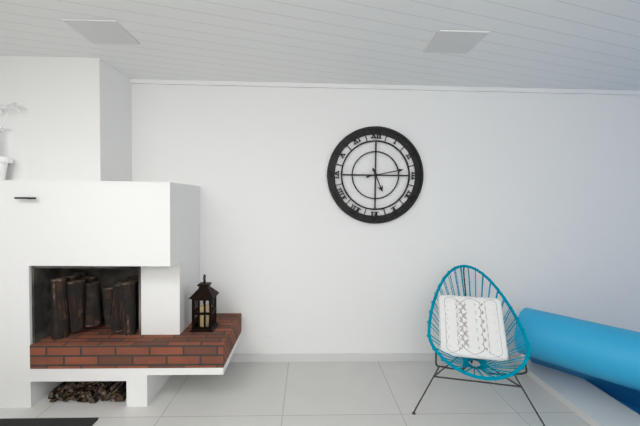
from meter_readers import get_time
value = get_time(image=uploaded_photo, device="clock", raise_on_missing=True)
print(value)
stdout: 5:13
